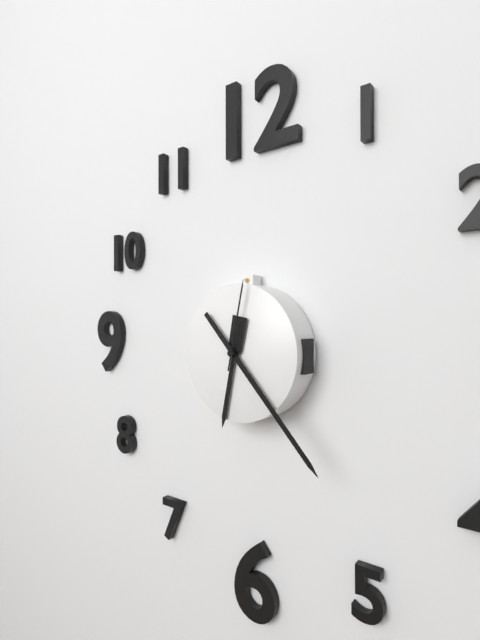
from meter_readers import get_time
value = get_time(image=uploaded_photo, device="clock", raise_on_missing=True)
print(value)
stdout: 6:23:02
